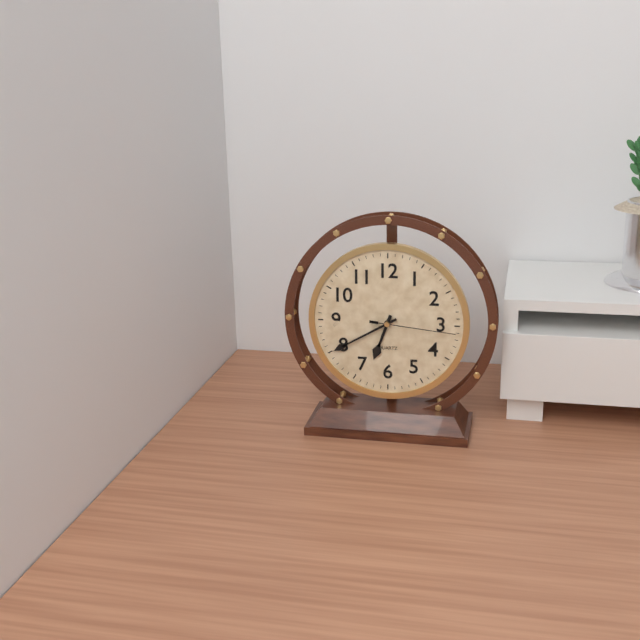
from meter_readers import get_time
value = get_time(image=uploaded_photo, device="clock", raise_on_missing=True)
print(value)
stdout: 6:40:16
